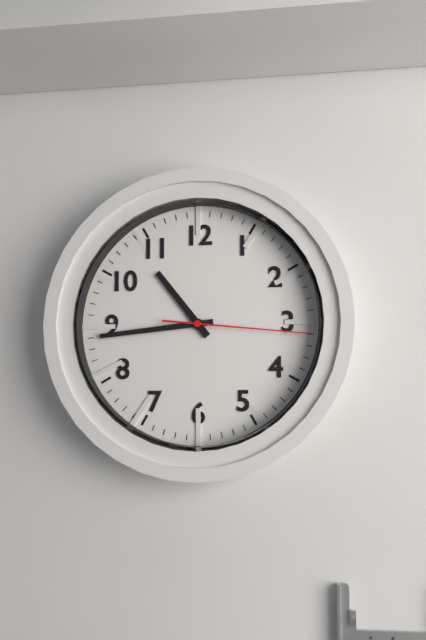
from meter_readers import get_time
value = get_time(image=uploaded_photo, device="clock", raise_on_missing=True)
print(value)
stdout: 10:44:16
